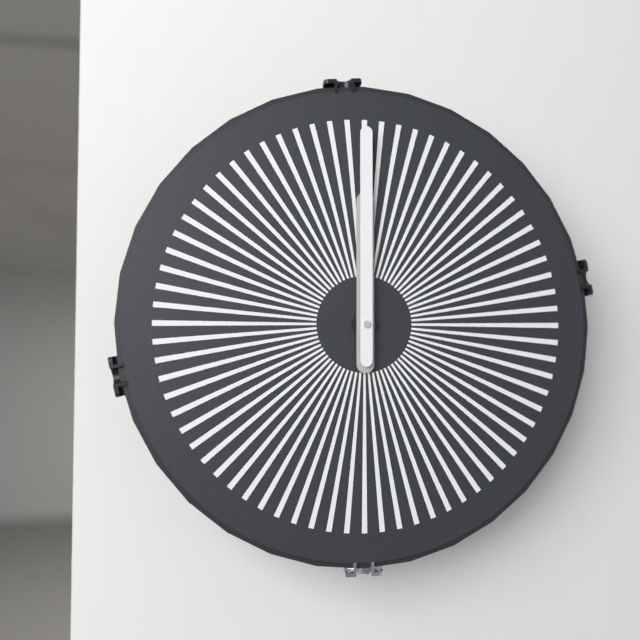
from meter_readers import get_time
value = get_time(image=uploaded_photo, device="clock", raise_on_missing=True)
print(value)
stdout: 12:00
